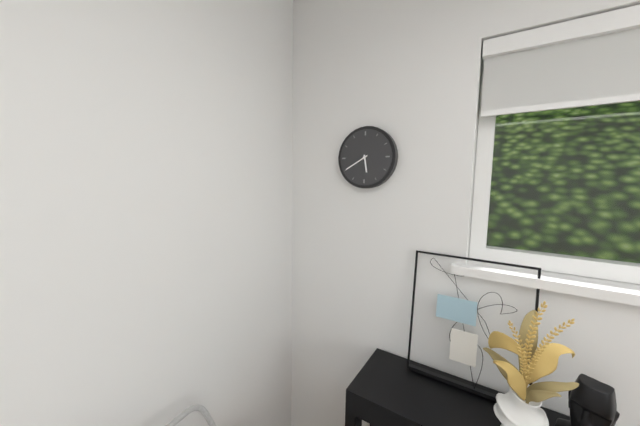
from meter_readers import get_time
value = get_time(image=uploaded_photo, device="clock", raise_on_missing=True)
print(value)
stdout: 5:40
